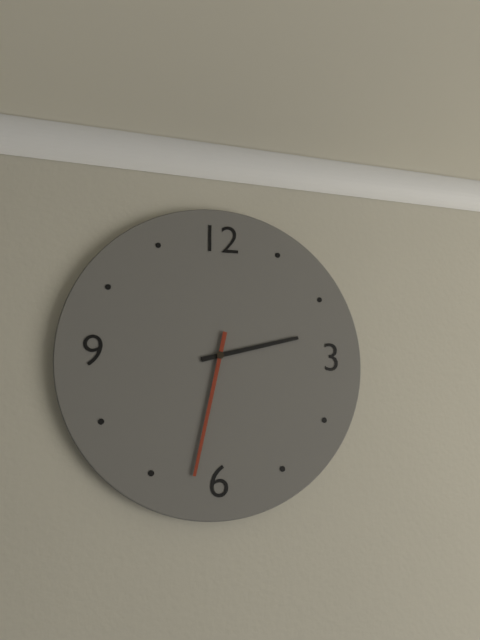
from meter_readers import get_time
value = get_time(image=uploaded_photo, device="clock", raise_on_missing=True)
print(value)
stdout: 2:32
